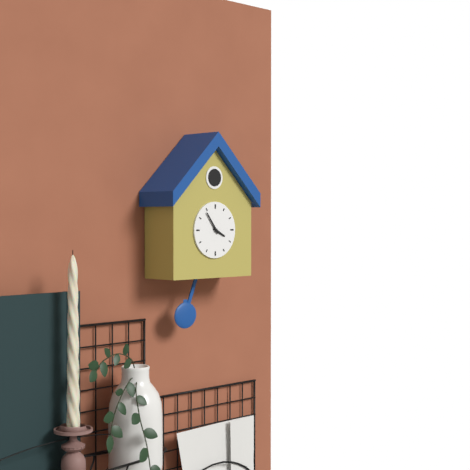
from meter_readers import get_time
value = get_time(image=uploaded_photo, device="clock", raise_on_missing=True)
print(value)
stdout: 3:54
